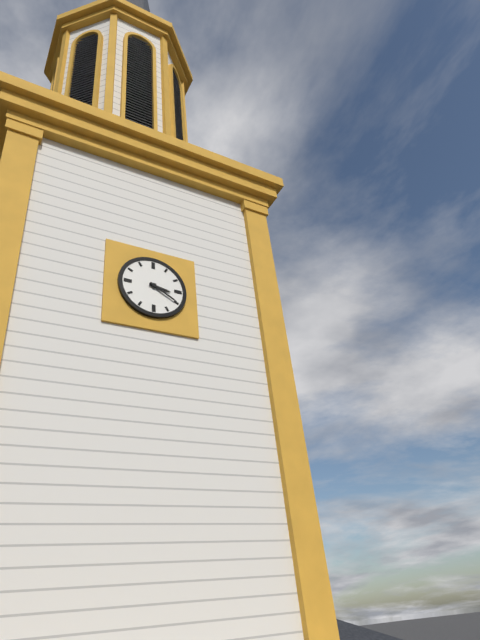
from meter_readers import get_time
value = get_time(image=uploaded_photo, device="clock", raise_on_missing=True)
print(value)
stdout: 3:20
